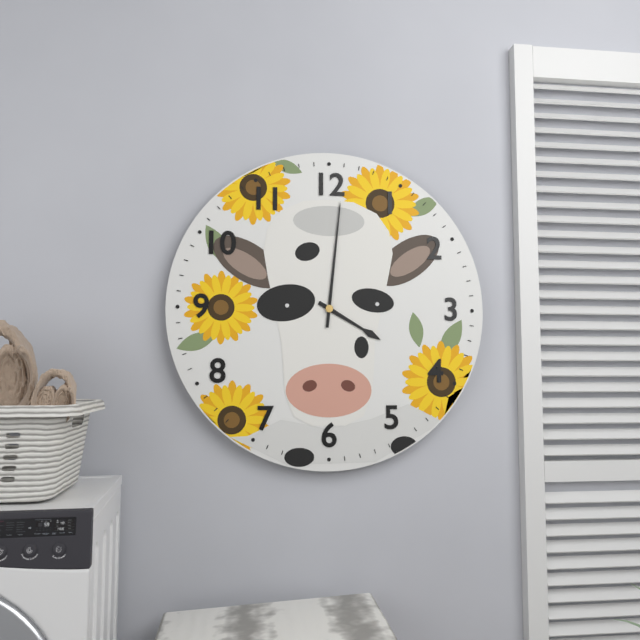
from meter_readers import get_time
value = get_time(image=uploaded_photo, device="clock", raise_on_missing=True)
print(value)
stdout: 4:01
